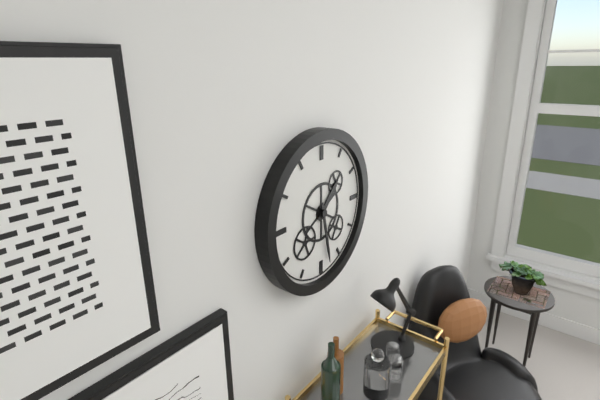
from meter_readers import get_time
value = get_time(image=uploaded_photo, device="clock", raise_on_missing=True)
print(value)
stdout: 1:28
